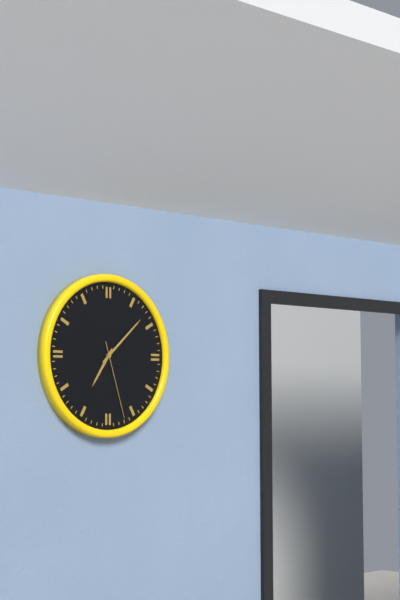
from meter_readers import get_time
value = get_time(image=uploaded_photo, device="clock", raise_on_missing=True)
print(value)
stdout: 7:08:27
